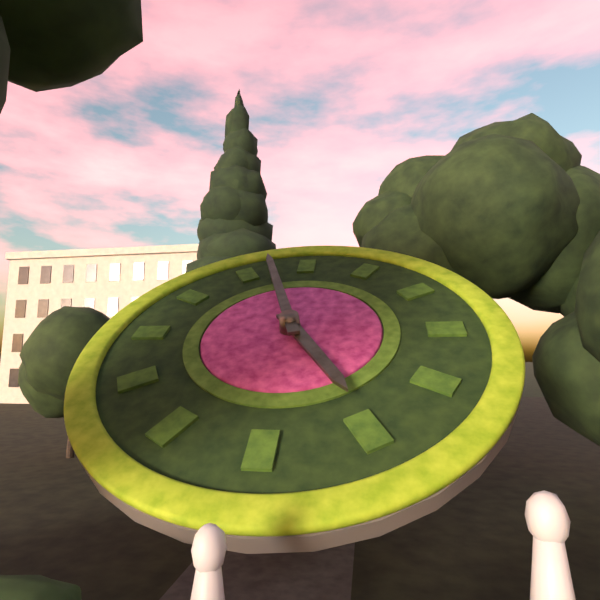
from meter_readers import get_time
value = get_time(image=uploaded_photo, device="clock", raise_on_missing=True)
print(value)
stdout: 4:57
